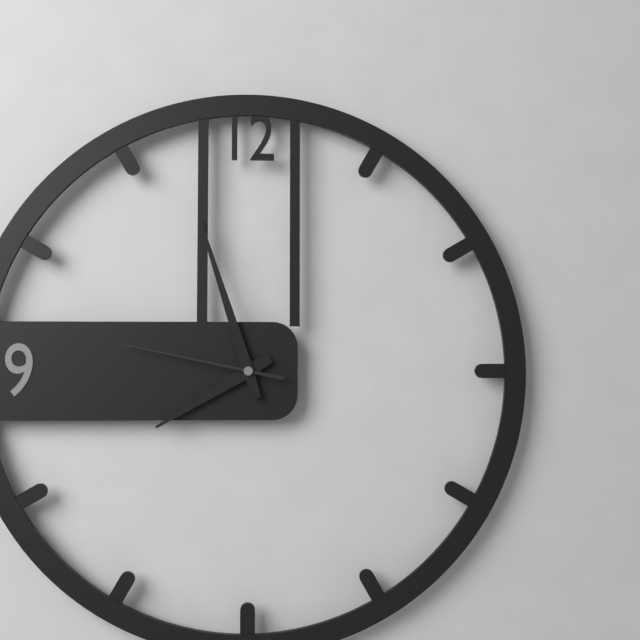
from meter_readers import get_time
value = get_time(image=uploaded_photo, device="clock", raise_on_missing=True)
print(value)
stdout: 7:57:47
